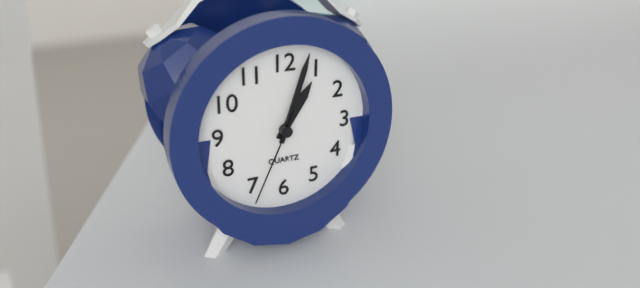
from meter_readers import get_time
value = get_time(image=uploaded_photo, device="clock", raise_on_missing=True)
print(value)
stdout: 1:03:34
